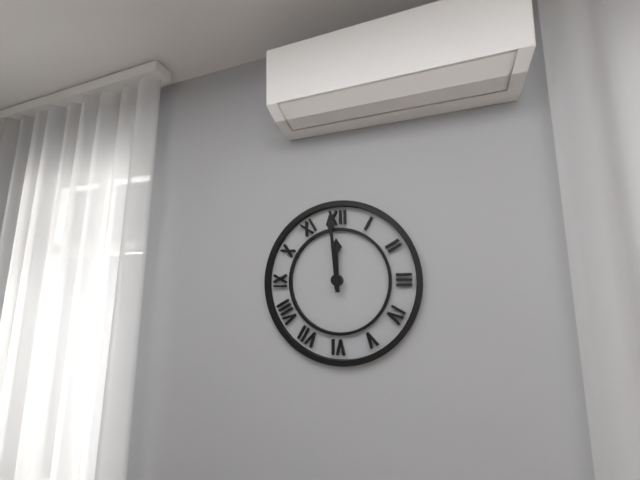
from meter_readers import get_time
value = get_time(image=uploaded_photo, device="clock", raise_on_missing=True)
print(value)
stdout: 11:59
